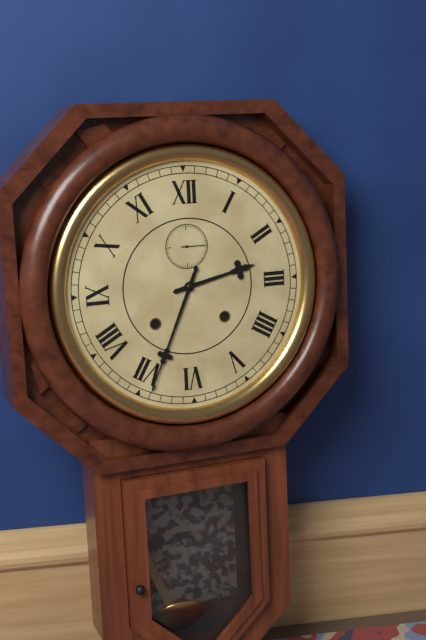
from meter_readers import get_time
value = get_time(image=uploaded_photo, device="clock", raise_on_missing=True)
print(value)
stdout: 2:34
